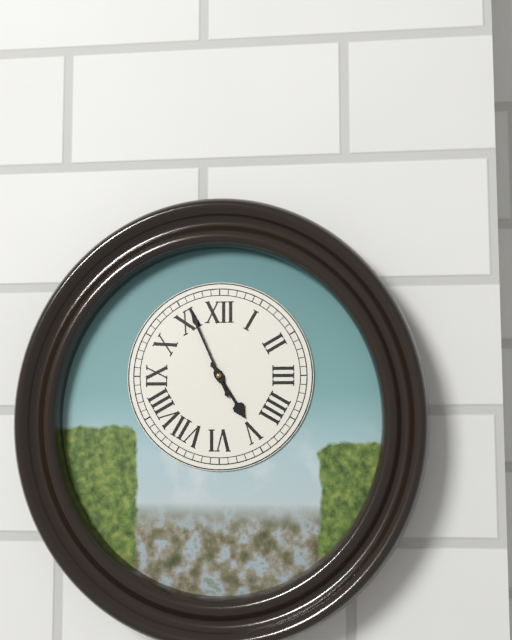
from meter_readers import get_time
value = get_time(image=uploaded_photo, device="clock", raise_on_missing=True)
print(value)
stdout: 4:56
